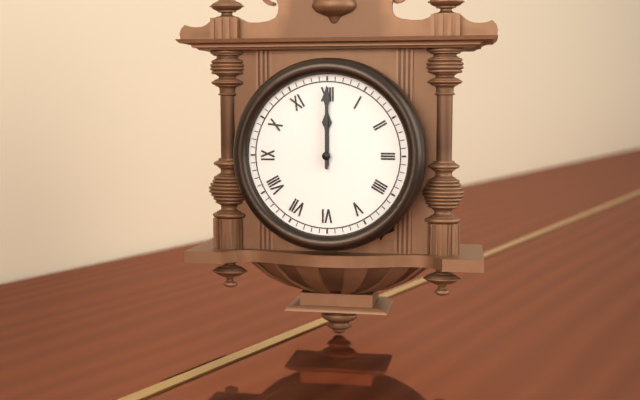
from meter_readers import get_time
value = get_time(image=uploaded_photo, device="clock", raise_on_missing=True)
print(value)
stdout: 12:00
